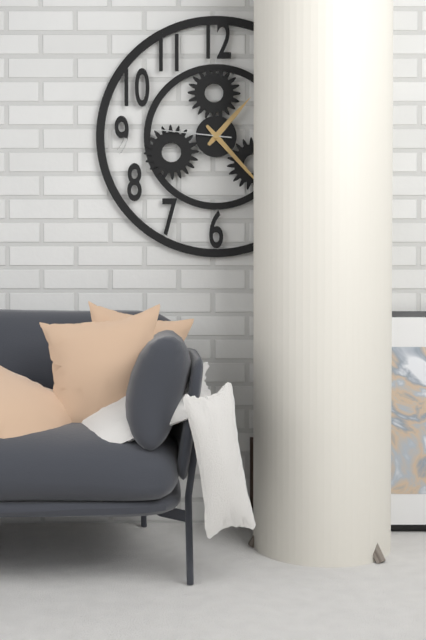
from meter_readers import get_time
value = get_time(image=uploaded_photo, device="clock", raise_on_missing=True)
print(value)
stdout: 1:23:46
